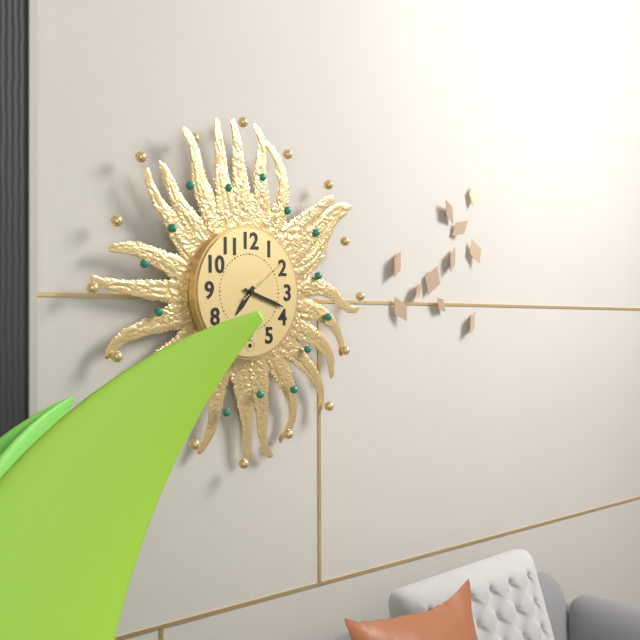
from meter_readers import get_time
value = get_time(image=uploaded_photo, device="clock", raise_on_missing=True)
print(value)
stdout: 7:18:09
